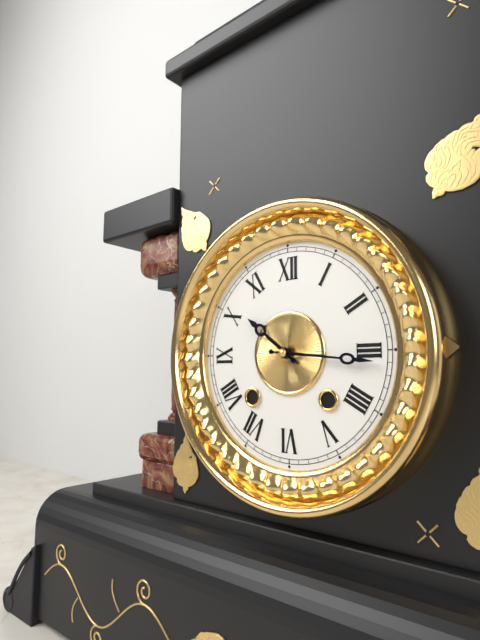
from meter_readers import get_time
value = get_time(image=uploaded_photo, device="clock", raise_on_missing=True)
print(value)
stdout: 10:16
